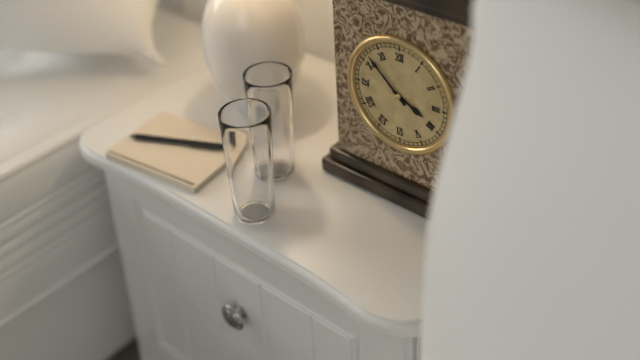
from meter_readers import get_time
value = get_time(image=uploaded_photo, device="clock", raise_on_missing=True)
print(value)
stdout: 3:52
